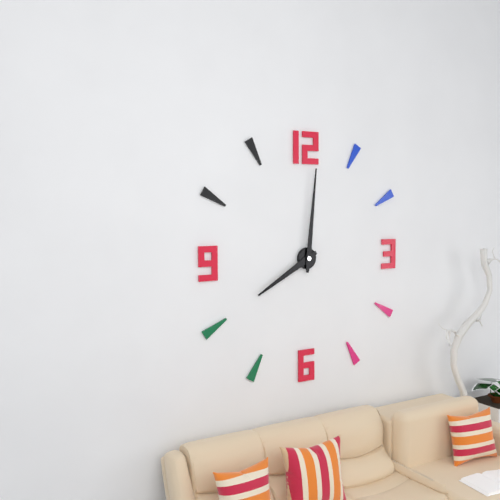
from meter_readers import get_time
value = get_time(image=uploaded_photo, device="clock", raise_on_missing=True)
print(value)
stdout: 8:01
